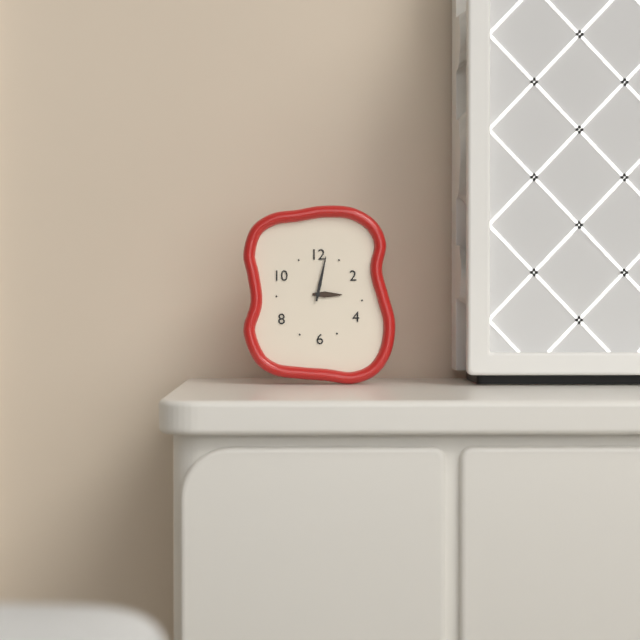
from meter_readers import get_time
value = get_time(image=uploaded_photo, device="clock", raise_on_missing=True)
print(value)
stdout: 3:02
